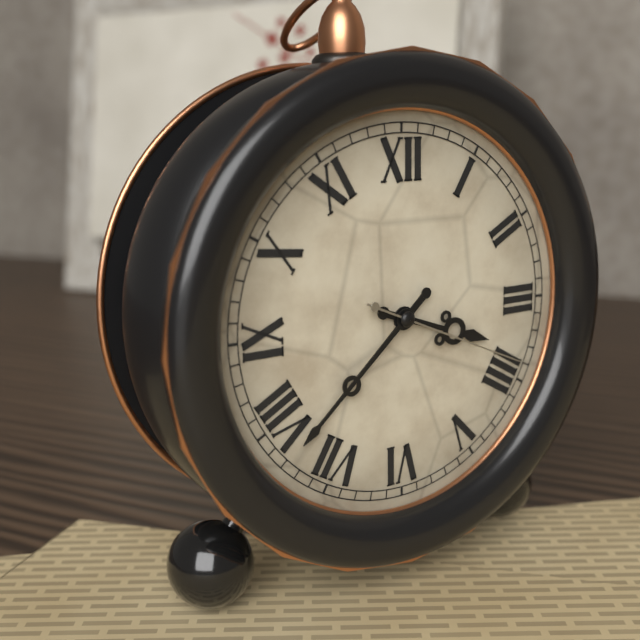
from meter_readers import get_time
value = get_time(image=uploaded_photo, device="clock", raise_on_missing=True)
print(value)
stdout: 3:38:19
